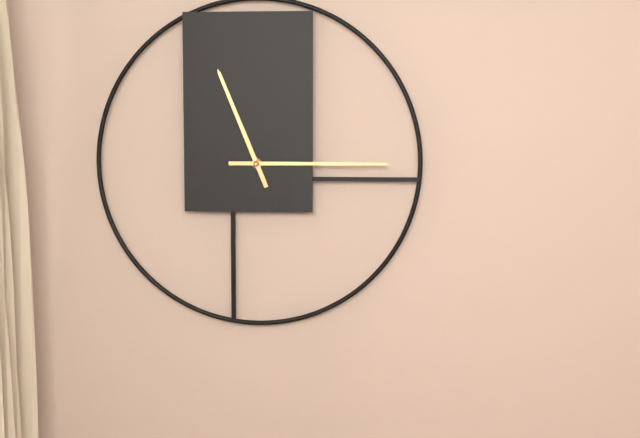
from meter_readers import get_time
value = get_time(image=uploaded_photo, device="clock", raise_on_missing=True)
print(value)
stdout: 11:15
